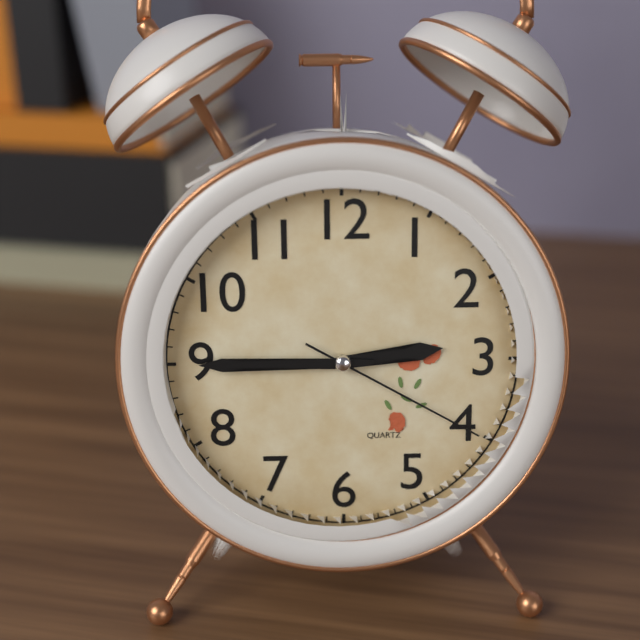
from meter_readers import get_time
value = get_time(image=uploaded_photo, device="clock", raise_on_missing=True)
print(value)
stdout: 2:45:20
